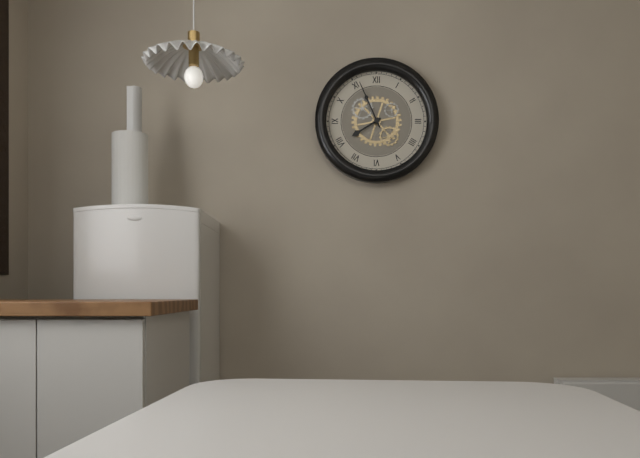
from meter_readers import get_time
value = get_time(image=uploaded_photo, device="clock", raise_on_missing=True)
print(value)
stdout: 7:56
